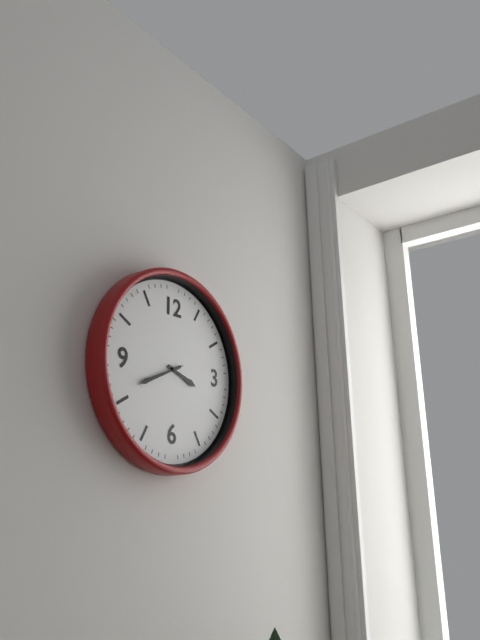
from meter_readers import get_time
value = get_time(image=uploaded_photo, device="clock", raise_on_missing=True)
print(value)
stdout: 3:41
